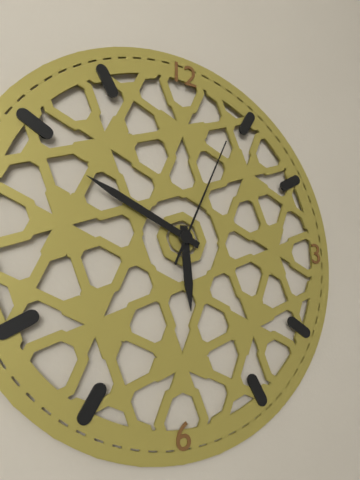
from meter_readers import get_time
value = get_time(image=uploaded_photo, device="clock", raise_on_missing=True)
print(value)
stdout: 5:49:04
